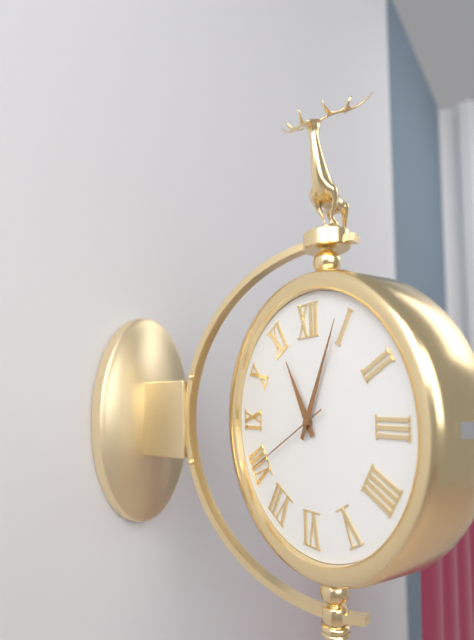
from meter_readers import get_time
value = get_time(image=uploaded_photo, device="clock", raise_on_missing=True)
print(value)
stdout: 11:04:40
